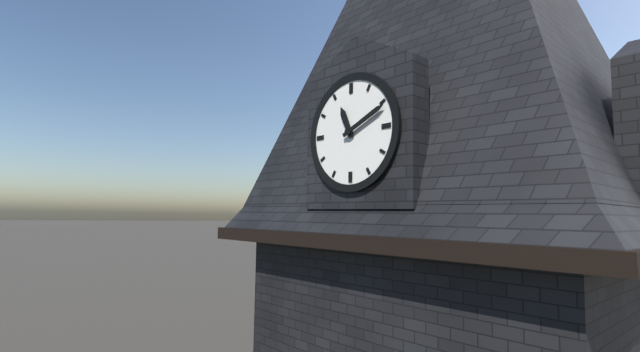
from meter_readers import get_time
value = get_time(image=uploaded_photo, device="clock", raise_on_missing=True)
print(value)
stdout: 11:11
